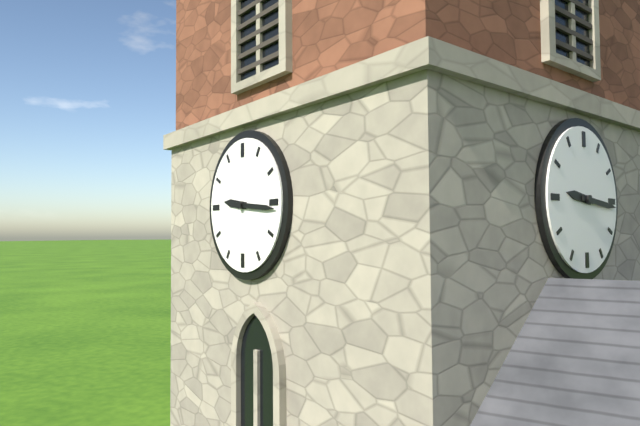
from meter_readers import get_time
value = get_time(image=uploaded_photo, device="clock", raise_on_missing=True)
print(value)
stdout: 9:16
